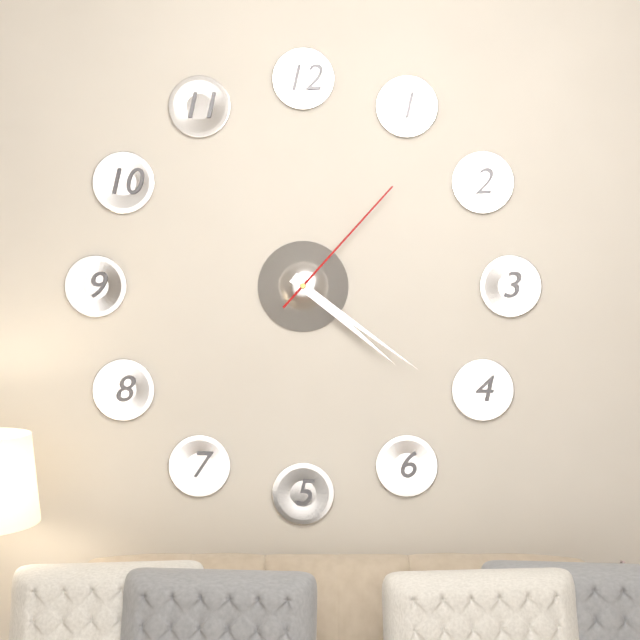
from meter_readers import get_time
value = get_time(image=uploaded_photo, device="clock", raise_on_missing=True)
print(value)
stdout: 4:21:07
